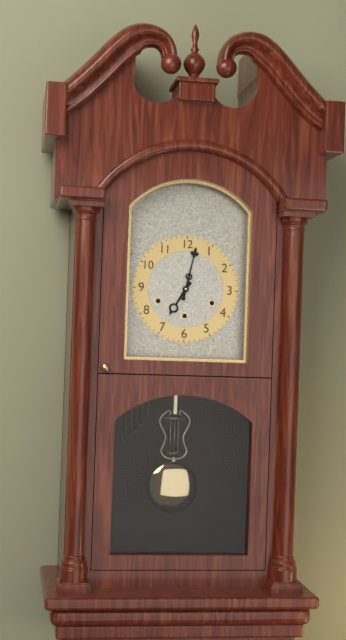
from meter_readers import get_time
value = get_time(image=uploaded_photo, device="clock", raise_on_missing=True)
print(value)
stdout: 7:02
